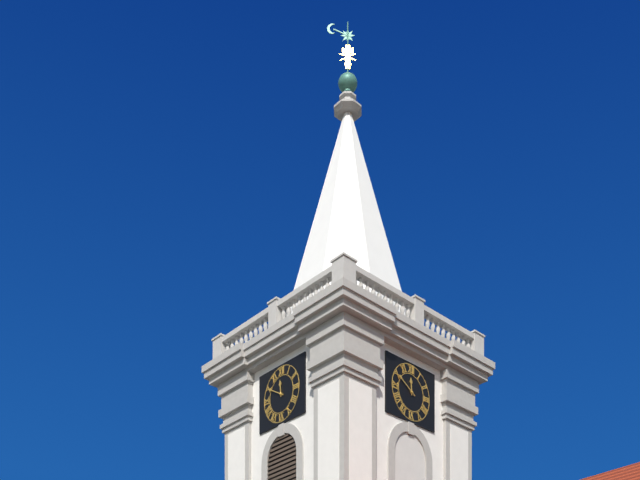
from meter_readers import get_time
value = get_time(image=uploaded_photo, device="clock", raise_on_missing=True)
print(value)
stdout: 11:50
